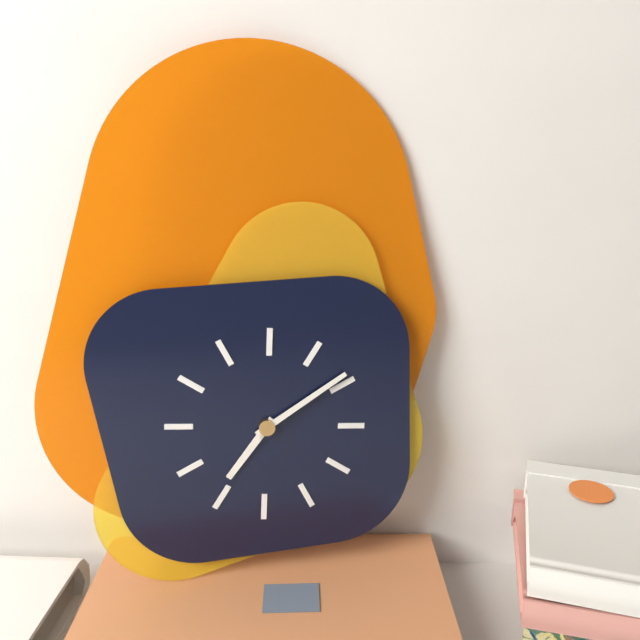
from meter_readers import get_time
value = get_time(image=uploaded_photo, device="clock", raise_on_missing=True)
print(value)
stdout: 7:09
